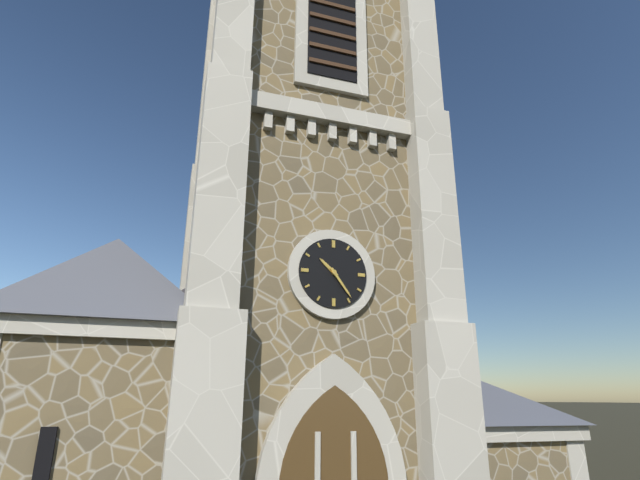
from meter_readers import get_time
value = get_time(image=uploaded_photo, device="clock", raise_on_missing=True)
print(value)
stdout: 10:24
